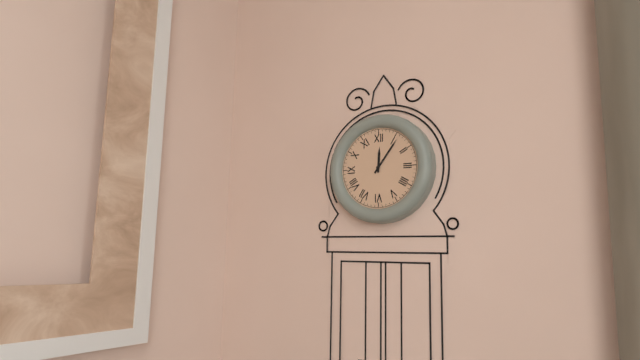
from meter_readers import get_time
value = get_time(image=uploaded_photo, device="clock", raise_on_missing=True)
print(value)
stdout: 12:06
